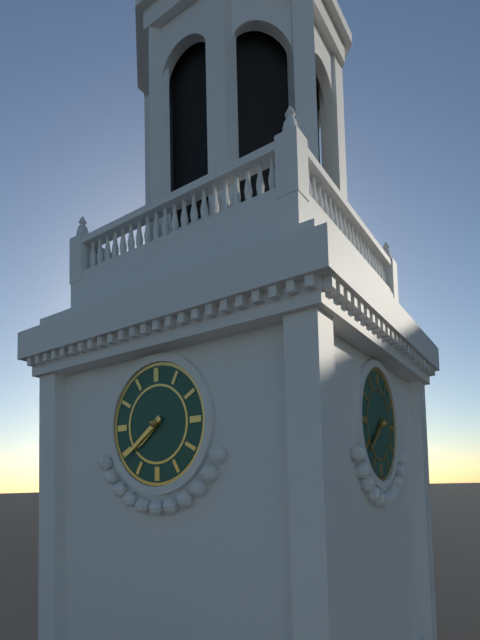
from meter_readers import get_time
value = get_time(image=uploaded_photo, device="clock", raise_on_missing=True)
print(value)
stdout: 7:39
